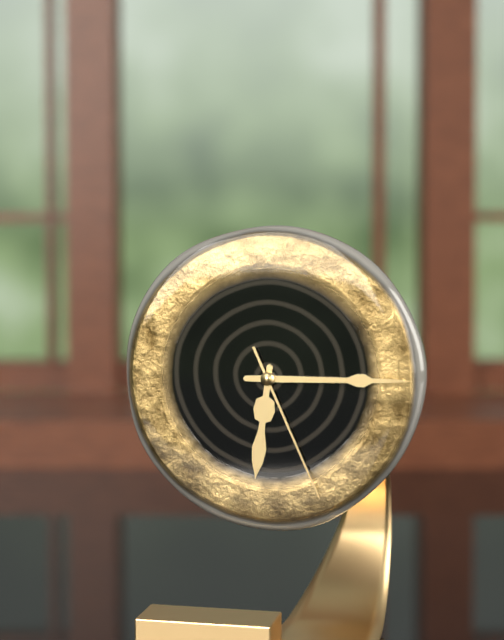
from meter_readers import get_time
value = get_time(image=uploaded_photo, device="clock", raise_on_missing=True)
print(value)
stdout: 6:15:26
